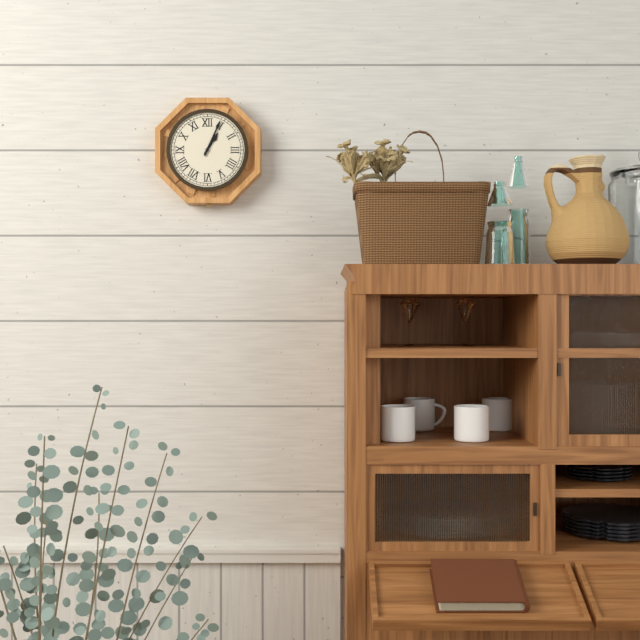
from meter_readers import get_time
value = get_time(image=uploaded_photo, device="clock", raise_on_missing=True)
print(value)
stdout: 1:04
